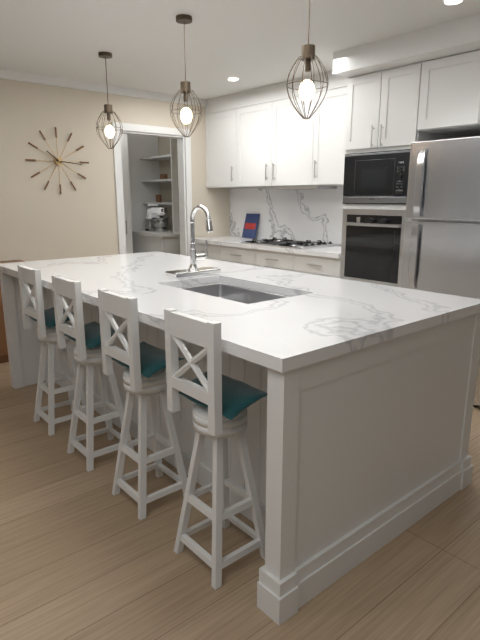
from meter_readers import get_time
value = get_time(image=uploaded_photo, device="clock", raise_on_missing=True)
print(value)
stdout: 10:16
